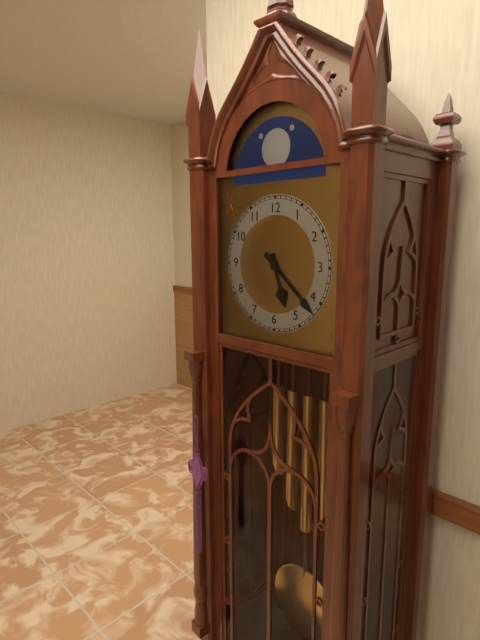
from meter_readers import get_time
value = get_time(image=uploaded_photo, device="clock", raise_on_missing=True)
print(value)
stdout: 5:22
